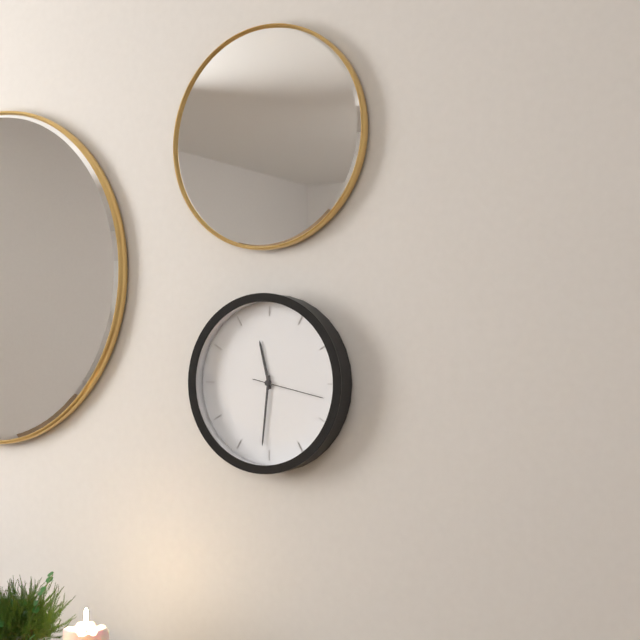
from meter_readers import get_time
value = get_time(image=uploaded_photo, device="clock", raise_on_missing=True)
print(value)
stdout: 11:31:17
